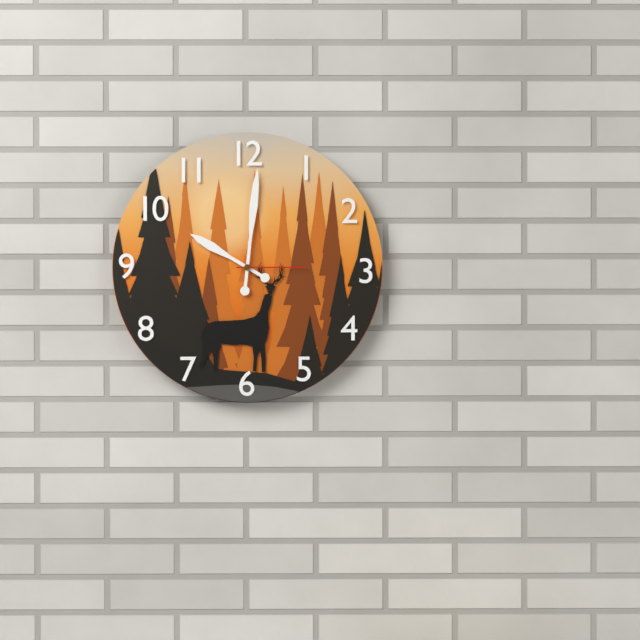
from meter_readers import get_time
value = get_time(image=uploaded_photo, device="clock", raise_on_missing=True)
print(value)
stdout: 10:01:15
